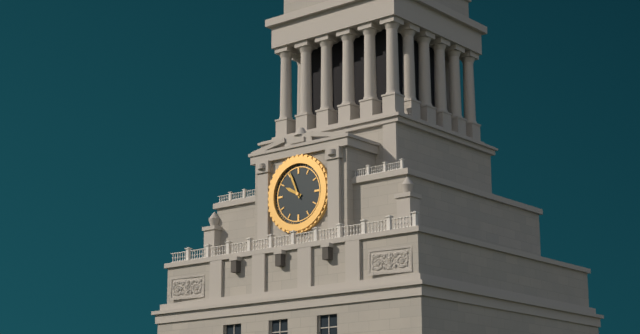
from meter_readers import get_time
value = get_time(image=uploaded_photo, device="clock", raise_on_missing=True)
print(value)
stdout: 9:56
